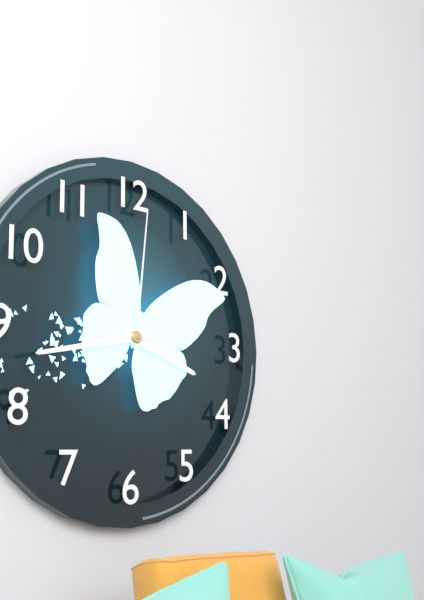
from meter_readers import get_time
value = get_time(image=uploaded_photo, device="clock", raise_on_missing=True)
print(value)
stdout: 3:43:01
